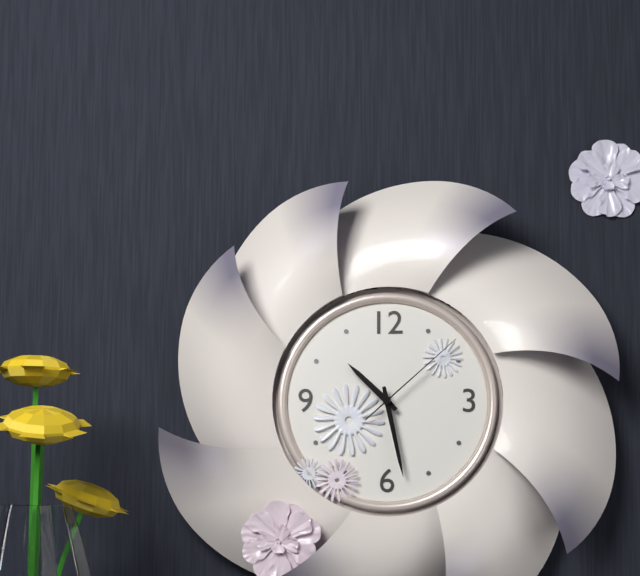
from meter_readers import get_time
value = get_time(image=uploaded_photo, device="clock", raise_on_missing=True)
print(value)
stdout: 10:28:08
